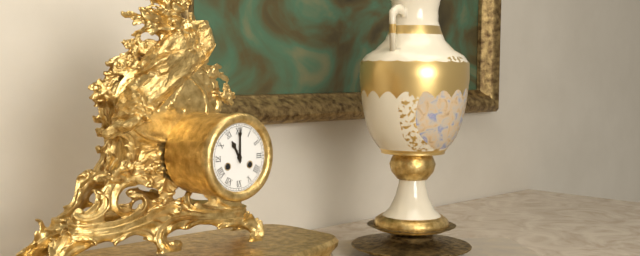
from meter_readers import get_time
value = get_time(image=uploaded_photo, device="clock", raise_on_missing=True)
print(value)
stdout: 11:00
